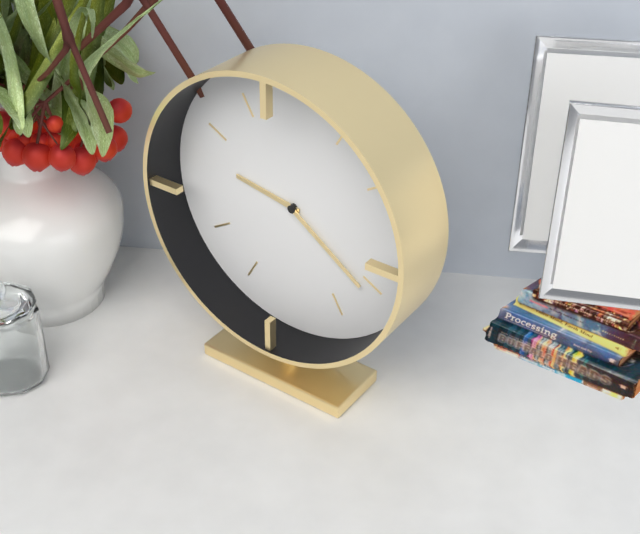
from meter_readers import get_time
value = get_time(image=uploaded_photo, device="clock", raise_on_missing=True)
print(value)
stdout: 9:21
